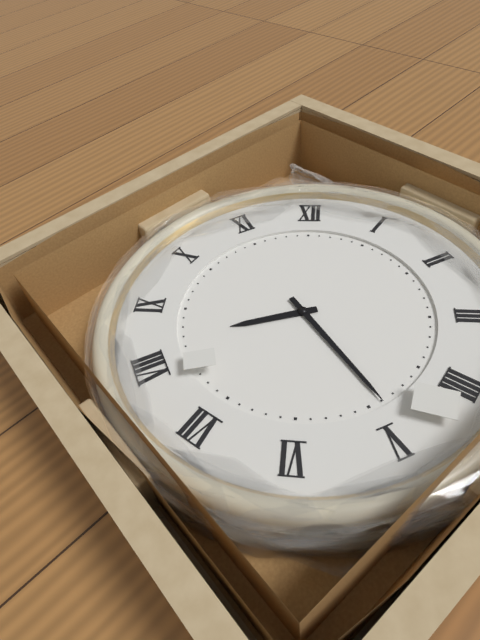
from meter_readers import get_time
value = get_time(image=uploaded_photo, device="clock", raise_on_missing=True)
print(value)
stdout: 8:24
